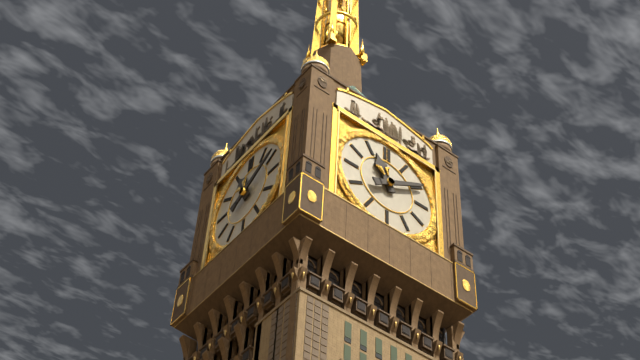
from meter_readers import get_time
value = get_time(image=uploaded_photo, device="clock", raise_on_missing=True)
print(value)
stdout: 11:10
